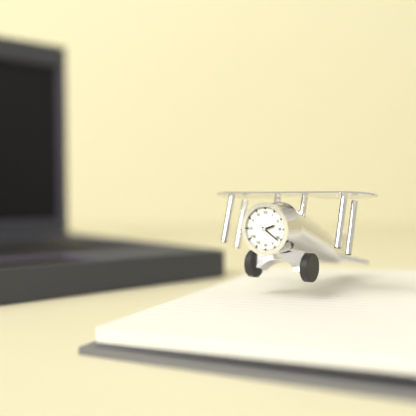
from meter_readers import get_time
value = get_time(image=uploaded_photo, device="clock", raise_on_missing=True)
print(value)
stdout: 2:21
